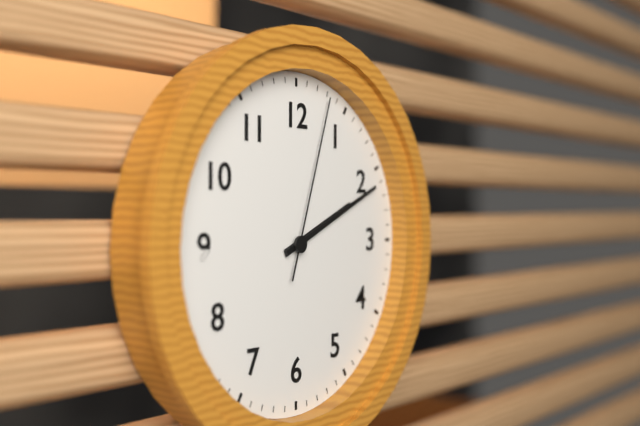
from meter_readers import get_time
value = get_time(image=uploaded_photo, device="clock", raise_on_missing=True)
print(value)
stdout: 2:11:03
